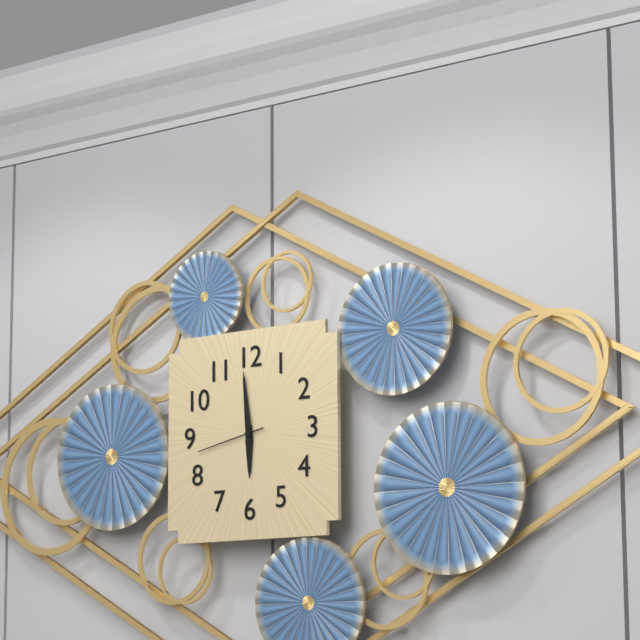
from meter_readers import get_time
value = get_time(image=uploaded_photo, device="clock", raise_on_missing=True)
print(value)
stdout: 5:59:43
